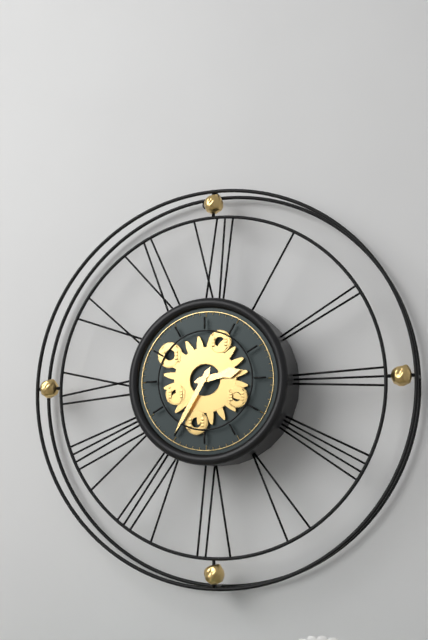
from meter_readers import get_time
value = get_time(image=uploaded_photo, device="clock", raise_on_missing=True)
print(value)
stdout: 2:35
